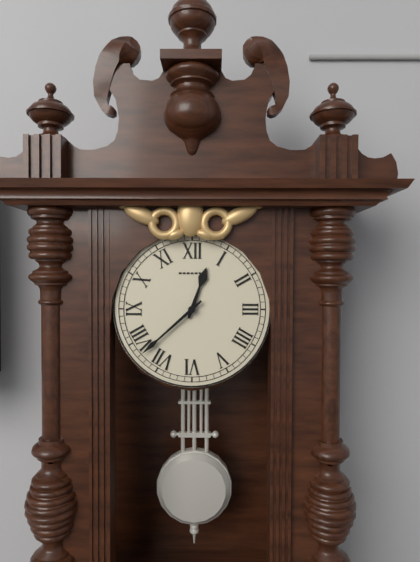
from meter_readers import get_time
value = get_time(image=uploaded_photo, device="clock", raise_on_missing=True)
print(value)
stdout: 12:38
